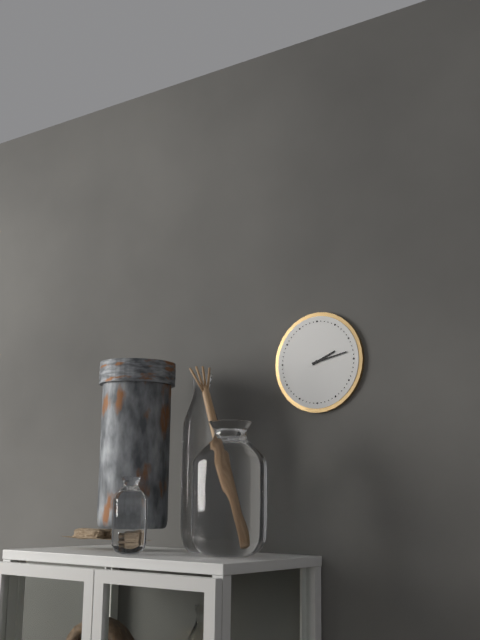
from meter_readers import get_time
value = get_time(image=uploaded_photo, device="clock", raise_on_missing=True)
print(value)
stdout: 2:13
